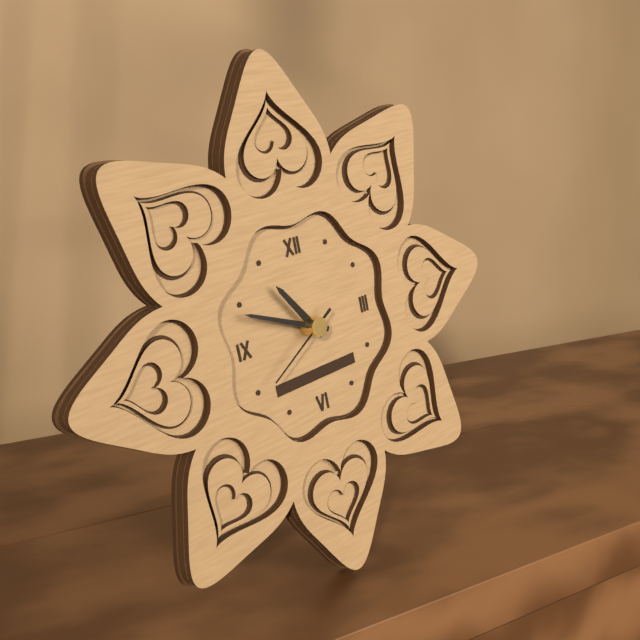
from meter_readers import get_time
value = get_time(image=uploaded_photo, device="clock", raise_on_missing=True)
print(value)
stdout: 10:49:40
